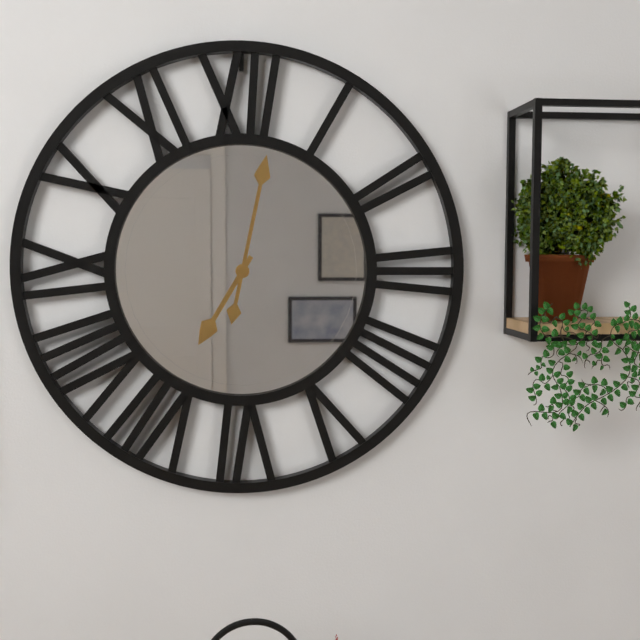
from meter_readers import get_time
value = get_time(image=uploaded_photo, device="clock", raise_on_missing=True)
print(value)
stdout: 7:02
